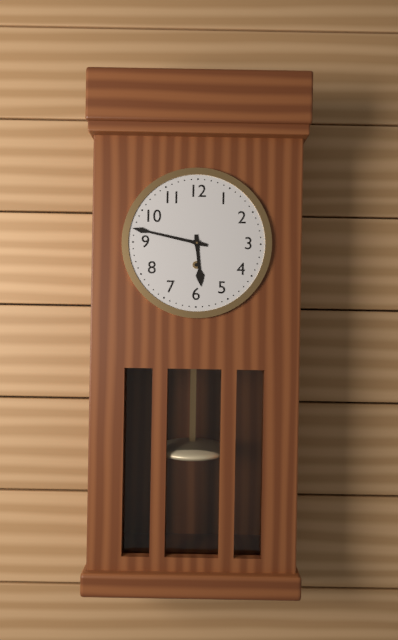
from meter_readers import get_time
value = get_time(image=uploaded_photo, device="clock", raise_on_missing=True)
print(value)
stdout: 5:47
